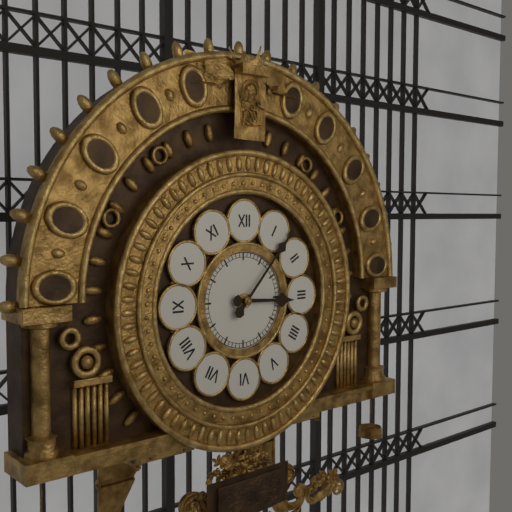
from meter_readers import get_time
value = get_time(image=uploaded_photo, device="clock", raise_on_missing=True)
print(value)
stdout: 3:07
